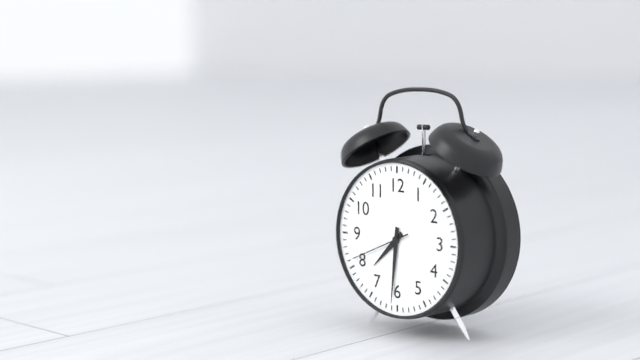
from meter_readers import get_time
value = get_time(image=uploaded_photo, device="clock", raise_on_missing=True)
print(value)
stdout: 7:31:41
